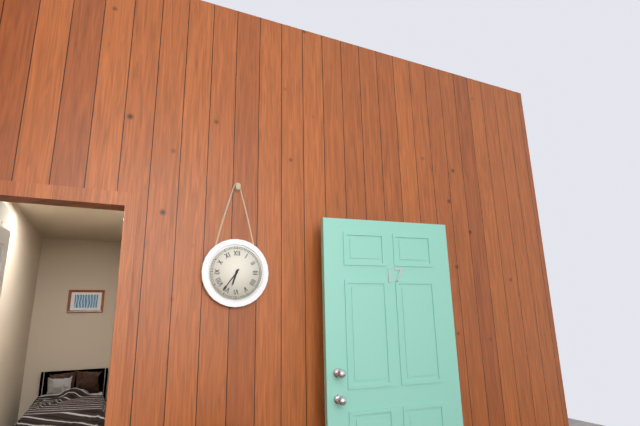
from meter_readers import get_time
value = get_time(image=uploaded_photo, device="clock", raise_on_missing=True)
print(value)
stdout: 6:36
